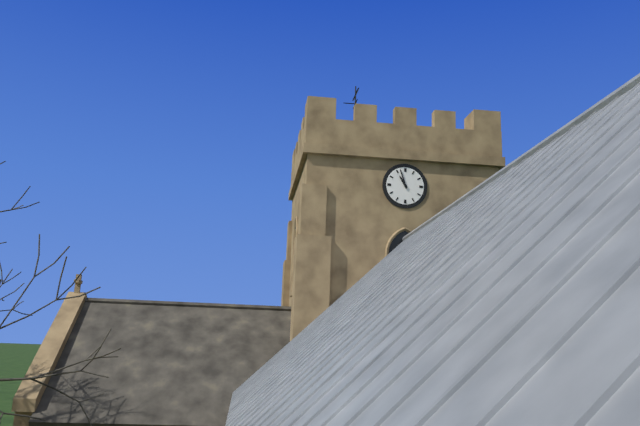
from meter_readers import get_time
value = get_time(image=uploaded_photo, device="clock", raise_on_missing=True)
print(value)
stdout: 10:57
